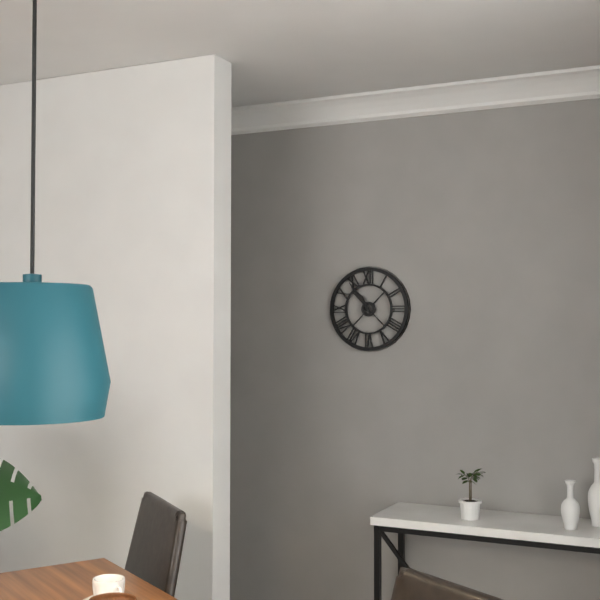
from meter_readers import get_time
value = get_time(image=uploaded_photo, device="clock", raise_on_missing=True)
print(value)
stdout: 10:54
